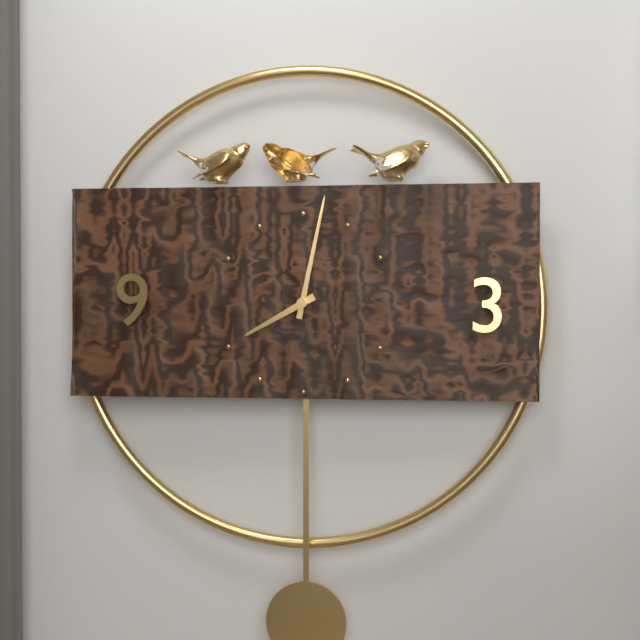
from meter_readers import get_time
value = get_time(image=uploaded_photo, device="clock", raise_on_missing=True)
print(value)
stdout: 8:02
